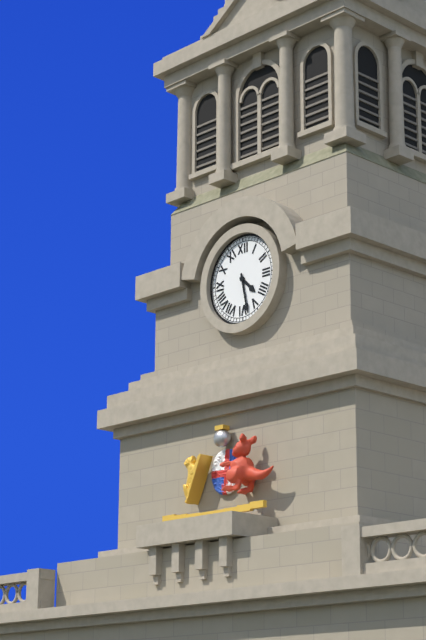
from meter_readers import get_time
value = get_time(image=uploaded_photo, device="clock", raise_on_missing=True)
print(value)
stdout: 4:28
